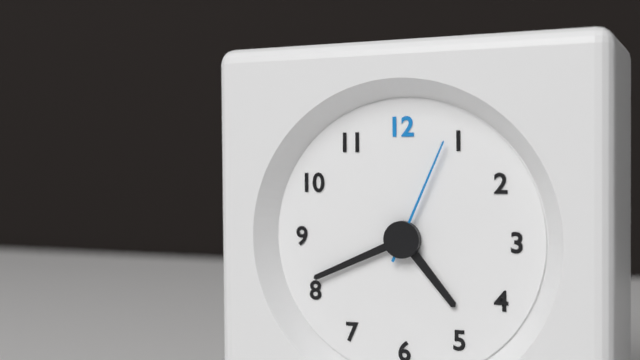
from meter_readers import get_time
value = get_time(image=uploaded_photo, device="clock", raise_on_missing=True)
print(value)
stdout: 4:41:04
